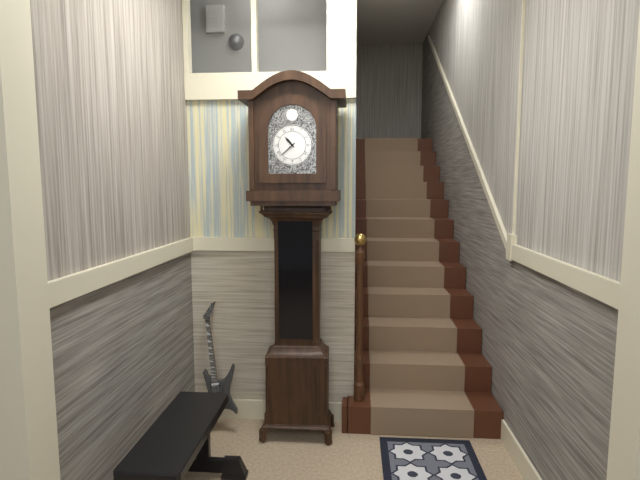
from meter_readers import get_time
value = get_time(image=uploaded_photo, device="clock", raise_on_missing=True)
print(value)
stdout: 10:38
